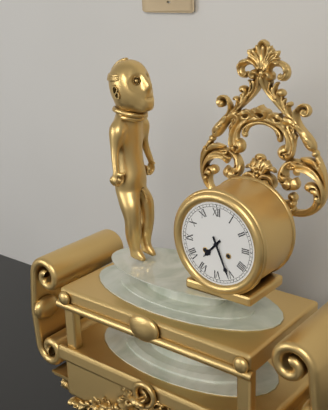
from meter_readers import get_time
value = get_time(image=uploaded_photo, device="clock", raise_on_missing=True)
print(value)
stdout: 7:26
